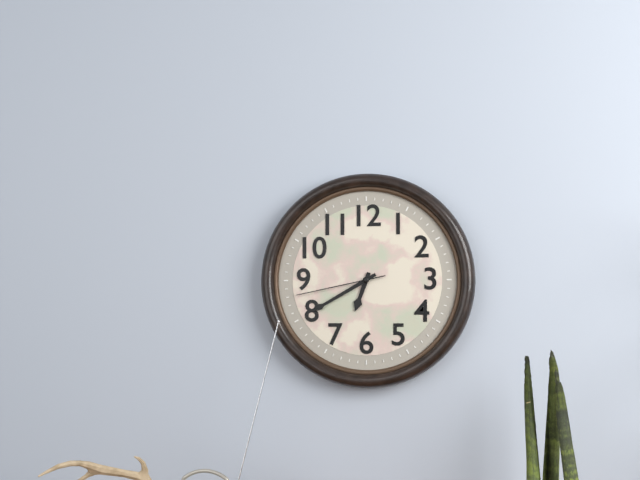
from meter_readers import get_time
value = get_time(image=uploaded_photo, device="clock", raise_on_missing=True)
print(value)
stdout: 6:40:43
